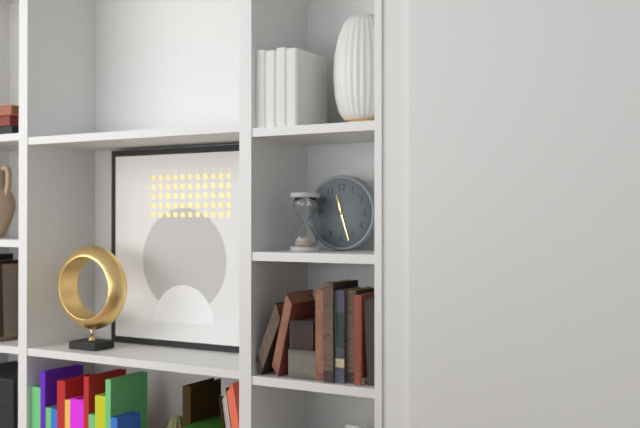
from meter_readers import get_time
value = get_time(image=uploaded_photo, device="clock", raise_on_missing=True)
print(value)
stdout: 11:27
